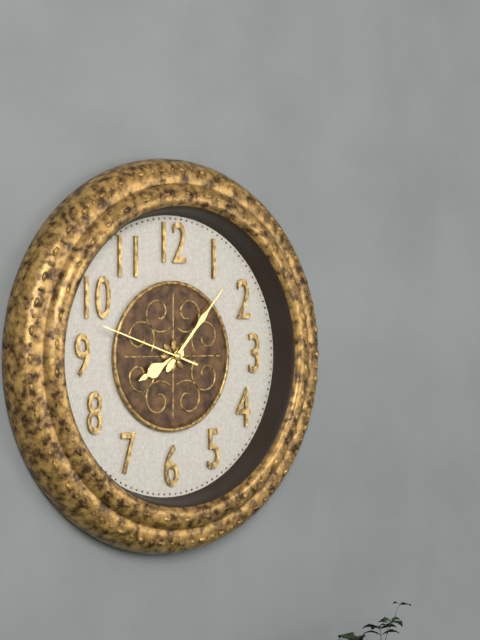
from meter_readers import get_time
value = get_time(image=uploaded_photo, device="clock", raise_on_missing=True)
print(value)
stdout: 8:07:48
